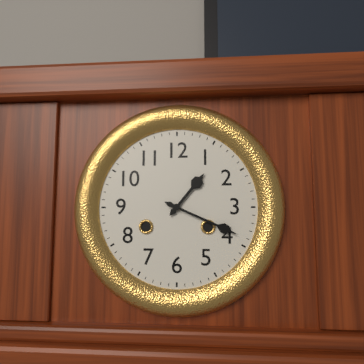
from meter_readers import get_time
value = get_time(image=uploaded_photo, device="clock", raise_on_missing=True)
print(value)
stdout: 1:19
